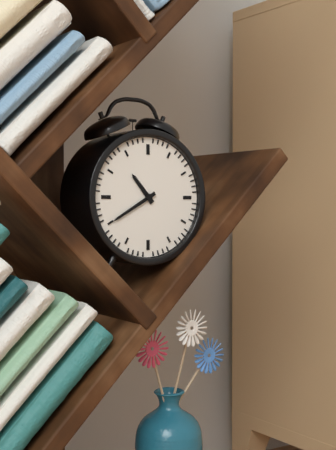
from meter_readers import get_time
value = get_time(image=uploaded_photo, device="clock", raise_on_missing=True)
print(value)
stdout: 10:40
